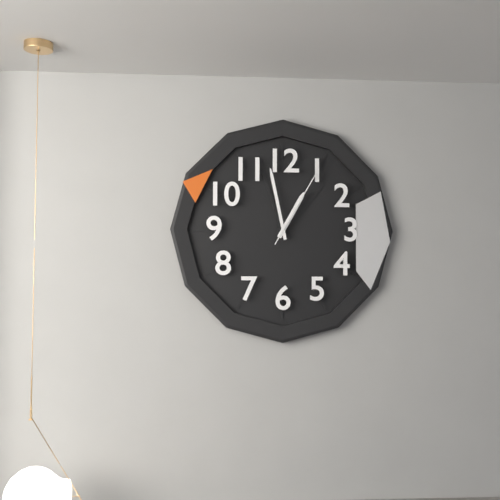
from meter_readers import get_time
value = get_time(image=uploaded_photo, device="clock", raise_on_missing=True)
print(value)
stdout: 12:58:05
